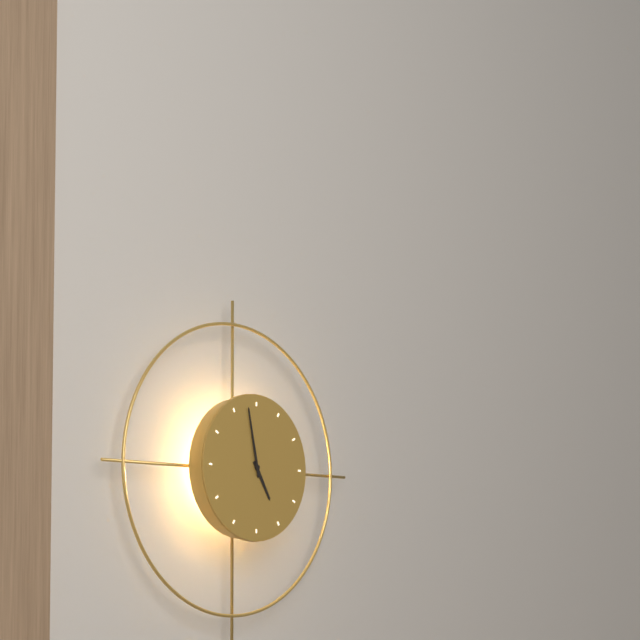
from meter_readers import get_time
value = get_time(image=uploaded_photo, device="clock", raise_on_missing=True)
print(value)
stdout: 4:58
